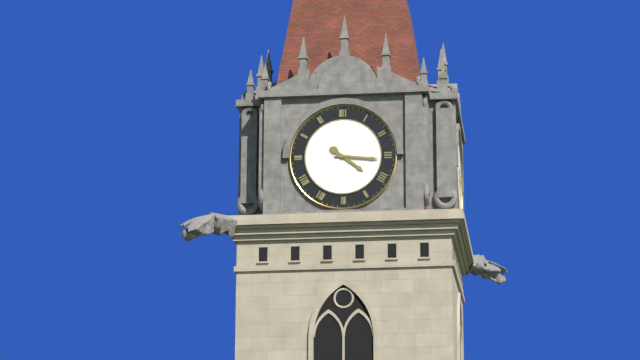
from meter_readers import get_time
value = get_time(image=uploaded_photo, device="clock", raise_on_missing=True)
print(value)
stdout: 4:16
